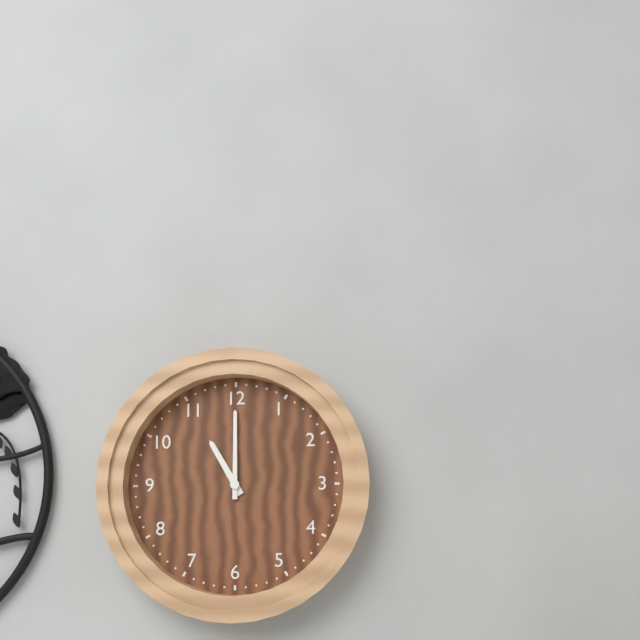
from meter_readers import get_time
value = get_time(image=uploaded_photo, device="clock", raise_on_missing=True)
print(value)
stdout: 11:00
